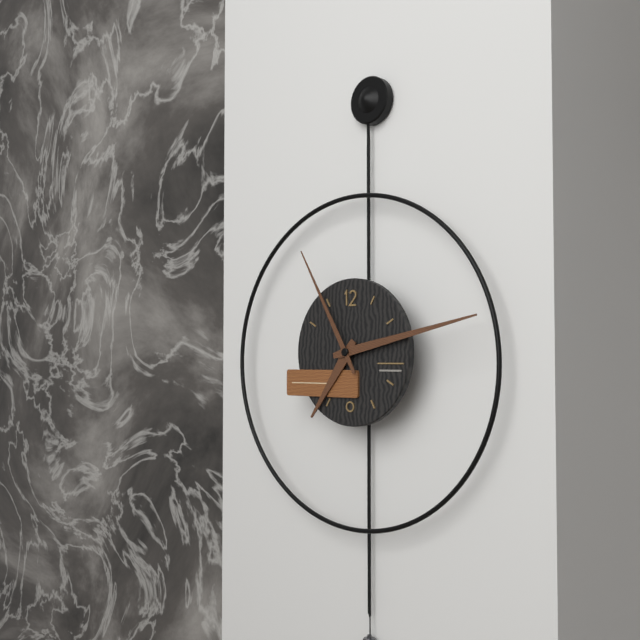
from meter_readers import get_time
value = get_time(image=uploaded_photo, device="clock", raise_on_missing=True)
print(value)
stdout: 7:13:55
